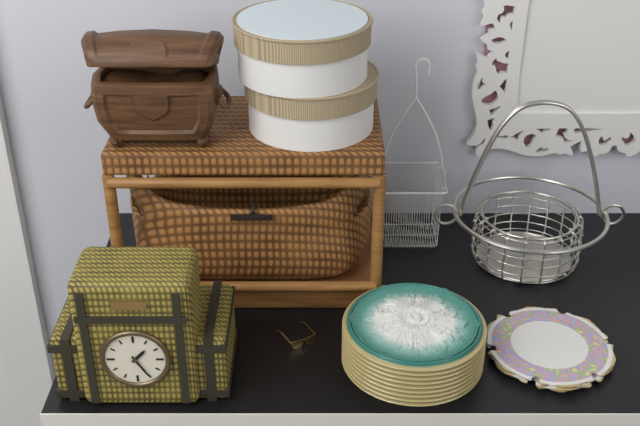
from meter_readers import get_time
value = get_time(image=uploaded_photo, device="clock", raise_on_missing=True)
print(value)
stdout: 1:25
